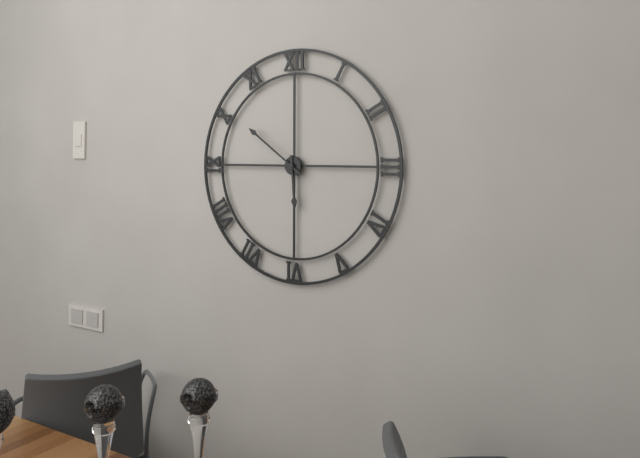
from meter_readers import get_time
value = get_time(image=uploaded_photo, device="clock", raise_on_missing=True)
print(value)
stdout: 5:51
